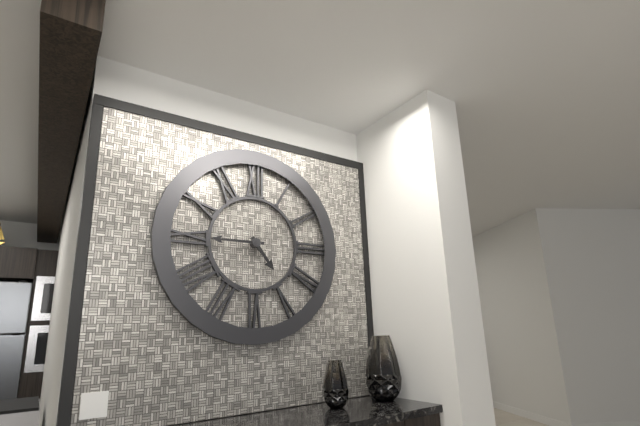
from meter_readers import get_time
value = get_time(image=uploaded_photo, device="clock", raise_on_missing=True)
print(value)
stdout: 4:45
